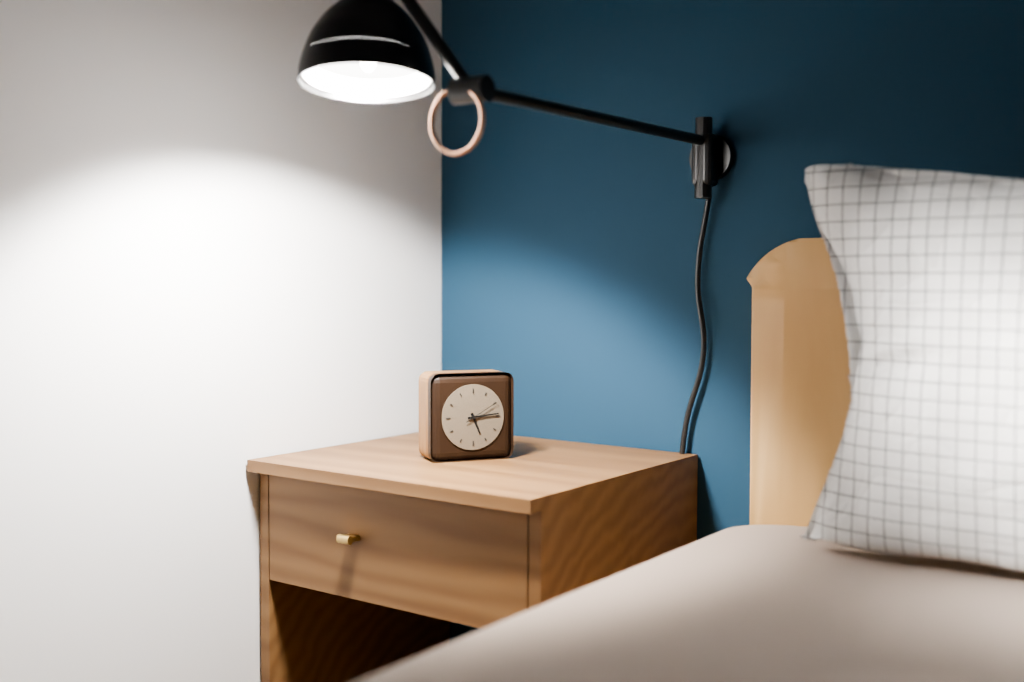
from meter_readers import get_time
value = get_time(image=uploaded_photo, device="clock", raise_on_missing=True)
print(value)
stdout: 5:14
